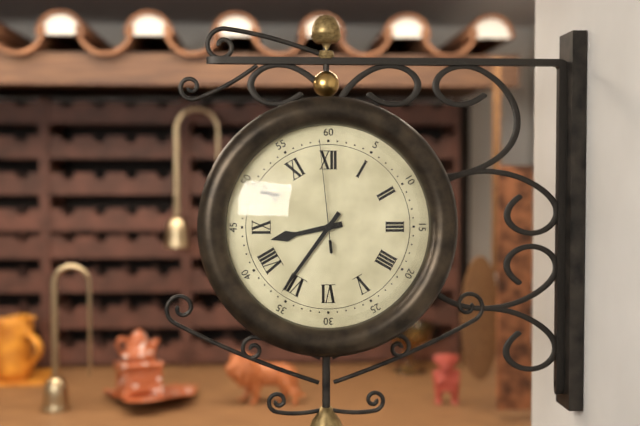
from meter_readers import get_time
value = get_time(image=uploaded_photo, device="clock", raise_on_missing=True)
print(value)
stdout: 8:36:59
